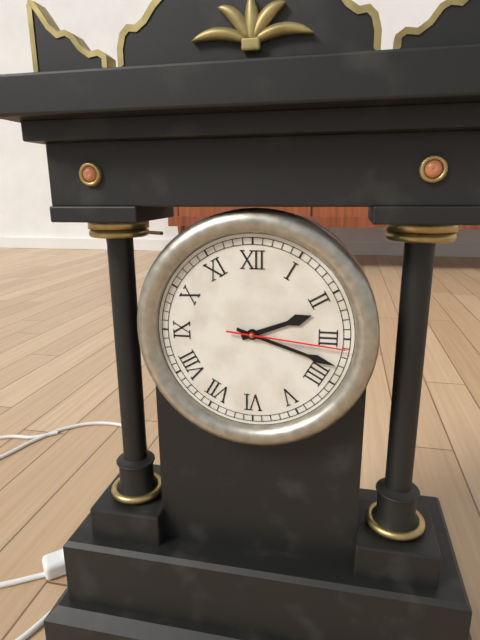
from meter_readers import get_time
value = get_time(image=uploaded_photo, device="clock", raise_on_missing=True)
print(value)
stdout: 2:18:16
